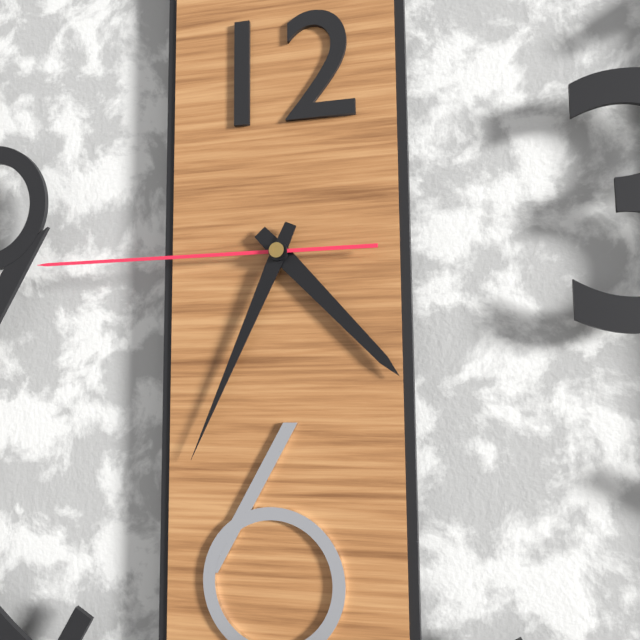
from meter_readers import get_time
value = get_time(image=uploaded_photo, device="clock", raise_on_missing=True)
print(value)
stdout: 4:34:45
